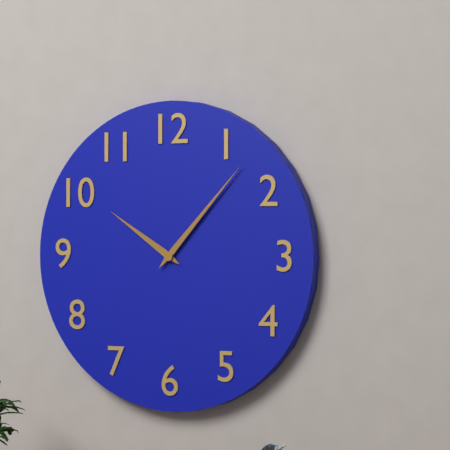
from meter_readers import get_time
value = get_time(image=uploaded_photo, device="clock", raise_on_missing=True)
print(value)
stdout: 10:07
